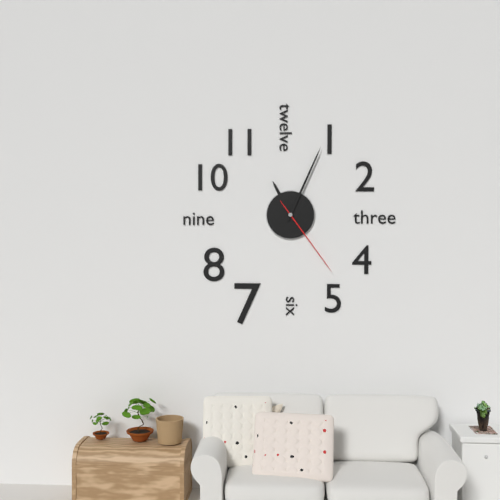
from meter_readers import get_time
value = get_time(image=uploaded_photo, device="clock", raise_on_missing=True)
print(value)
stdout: 11:04:24
